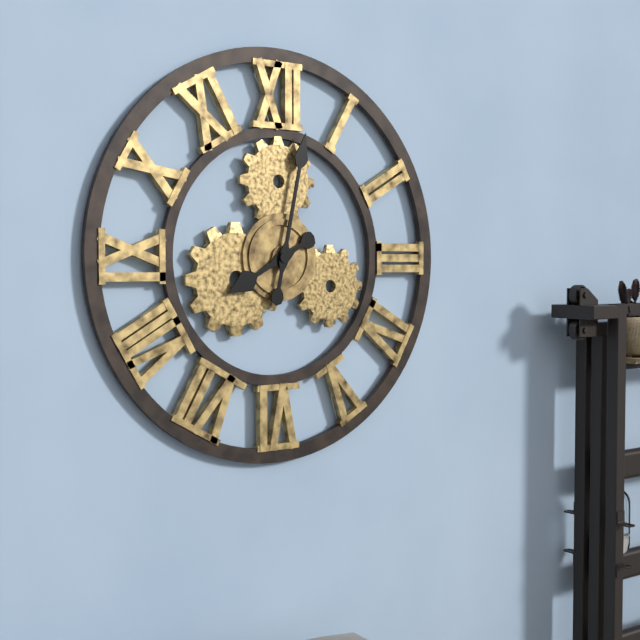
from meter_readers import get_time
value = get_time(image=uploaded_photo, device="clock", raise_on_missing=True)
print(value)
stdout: 8:02
